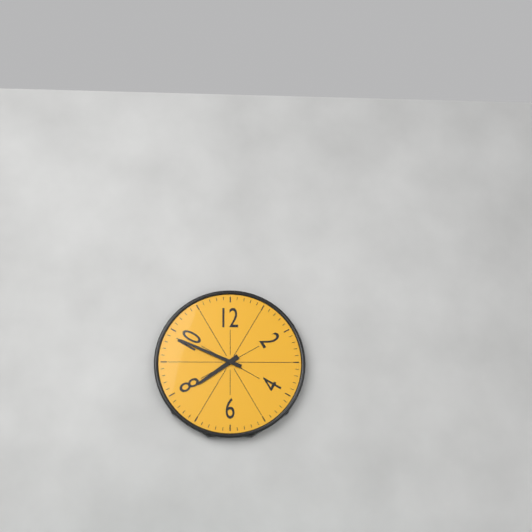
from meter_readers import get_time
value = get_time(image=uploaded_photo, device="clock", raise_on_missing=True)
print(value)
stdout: 7:49
